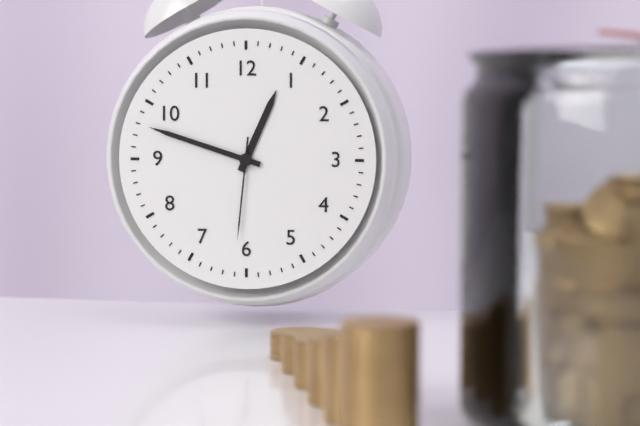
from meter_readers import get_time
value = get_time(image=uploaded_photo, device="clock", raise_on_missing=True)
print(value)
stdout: 12:48:31
